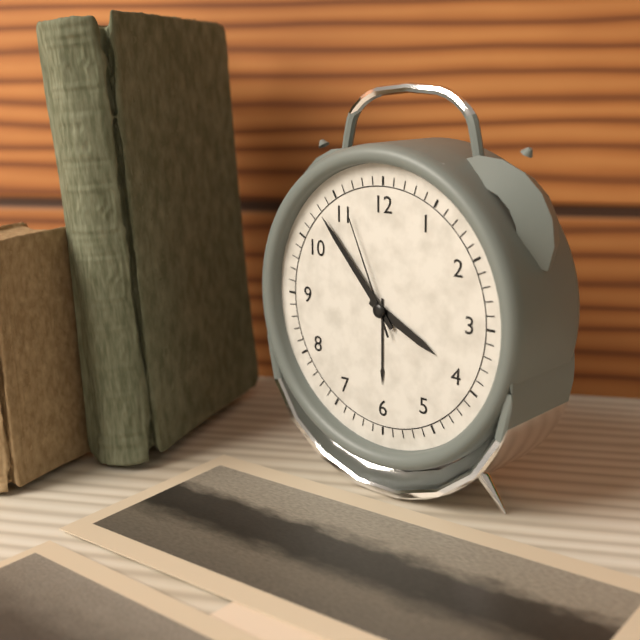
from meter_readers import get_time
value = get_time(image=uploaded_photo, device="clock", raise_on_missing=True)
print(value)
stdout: 3:53:56
